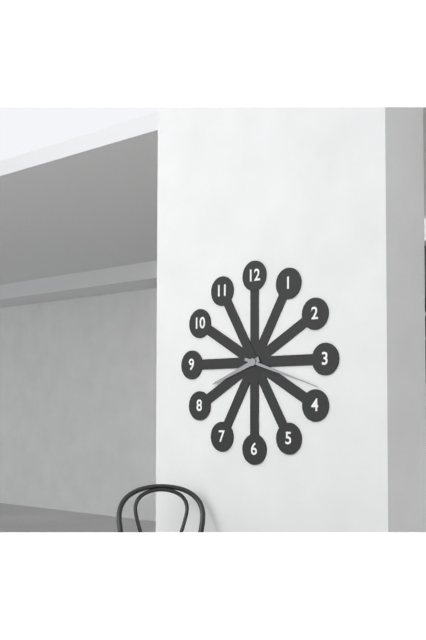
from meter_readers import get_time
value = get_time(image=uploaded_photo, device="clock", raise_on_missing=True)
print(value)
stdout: 8:18
